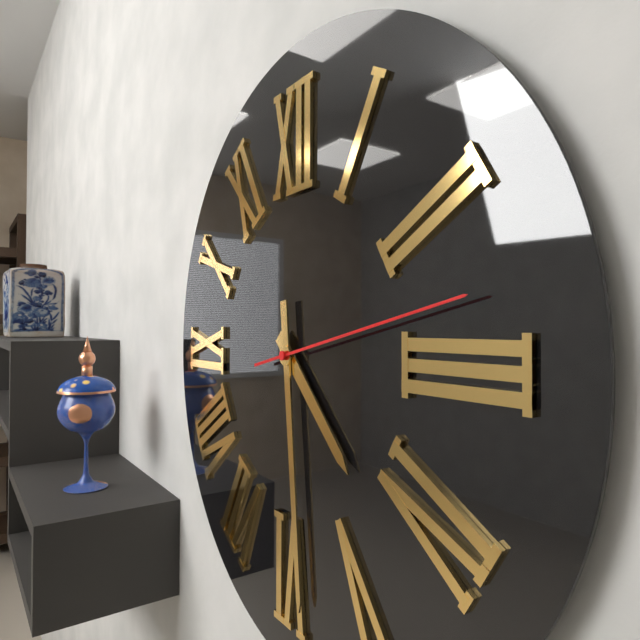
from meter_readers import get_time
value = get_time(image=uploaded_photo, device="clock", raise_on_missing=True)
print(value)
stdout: 4:29:13
